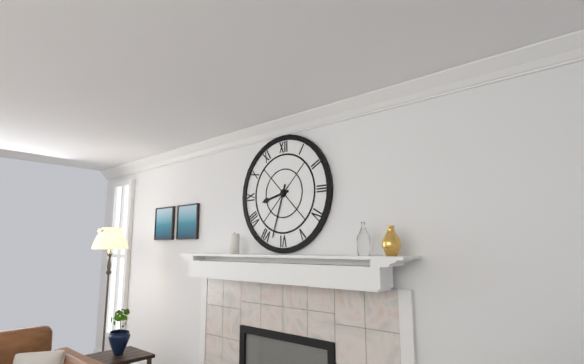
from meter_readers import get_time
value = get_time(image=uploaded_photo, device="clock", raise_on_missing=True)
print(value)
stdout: 8:33
